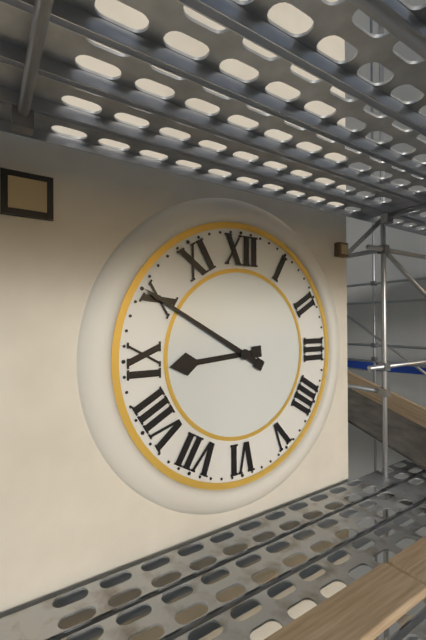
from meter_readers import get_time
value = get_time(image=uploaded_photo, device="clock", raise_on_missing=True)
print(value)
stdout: 8:50
